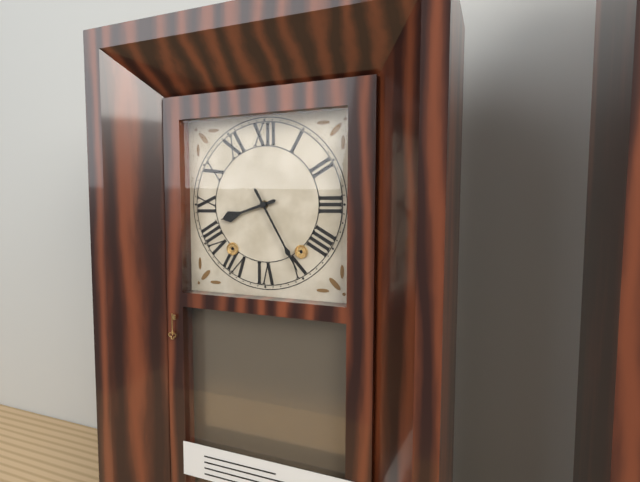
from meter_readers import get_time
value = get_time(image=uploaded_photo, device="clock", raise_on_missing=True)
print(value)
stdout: 8:25
